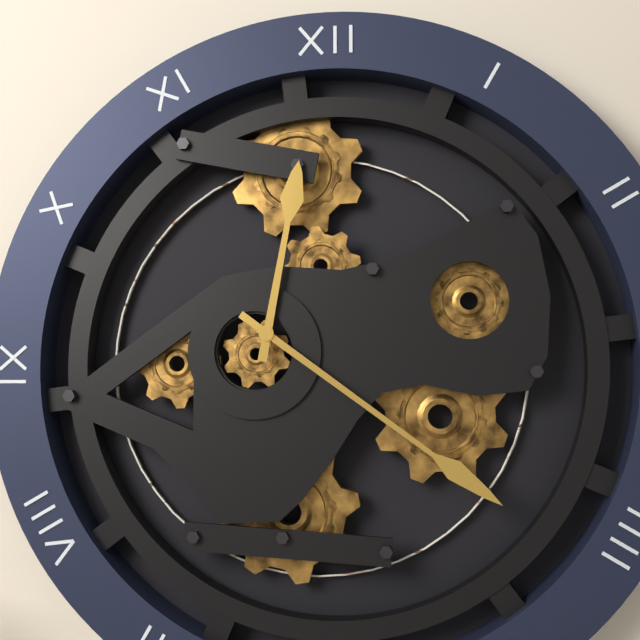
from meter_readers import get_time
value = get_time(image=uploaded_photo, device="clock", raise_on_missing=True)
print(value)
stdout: 12:21
